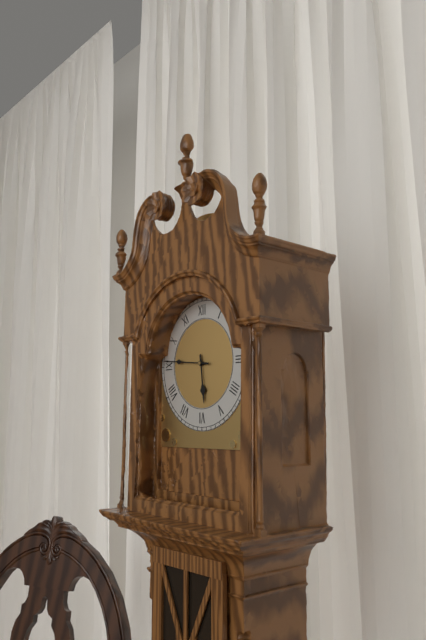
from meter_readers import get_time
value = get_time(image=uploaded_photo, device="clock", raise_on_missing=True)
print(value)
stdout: 5:46
